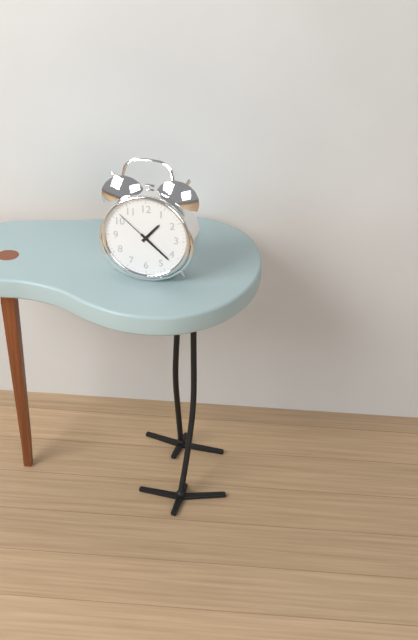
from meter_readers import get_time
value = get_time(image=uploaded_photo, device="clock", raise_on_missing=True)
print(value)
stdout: 1:22
